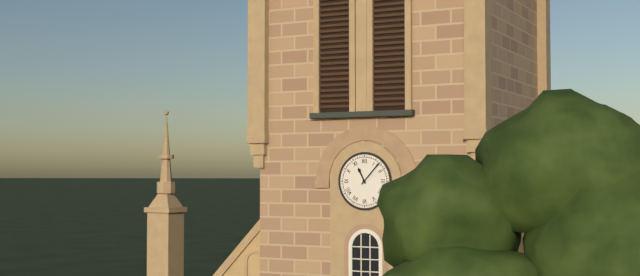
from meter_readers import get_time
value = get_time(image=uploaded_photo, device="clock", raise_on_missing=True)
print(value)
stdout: 11:07
